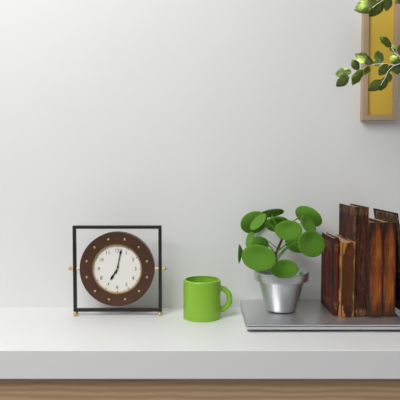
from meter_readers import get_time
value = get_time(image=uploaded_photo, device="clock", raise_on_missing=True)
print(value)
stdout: 7:02
